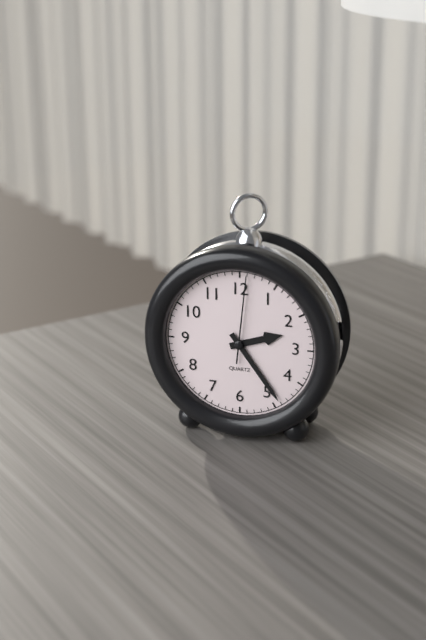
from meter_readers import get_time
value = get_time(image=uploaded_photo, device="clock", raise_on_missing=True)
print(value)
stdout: 2:24:01
